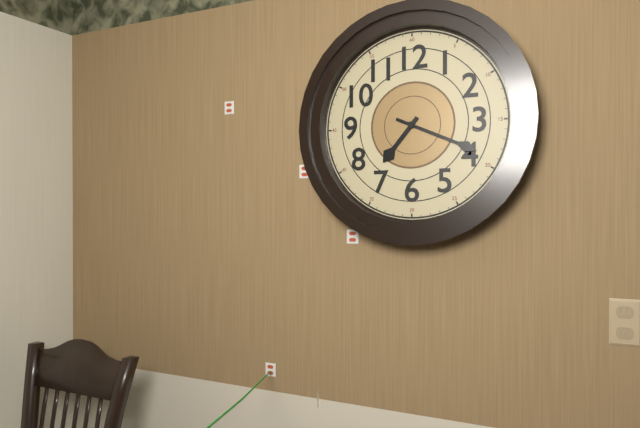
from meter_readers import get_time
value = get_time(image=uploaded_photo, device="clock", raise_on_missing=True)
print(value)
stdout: 7:19
